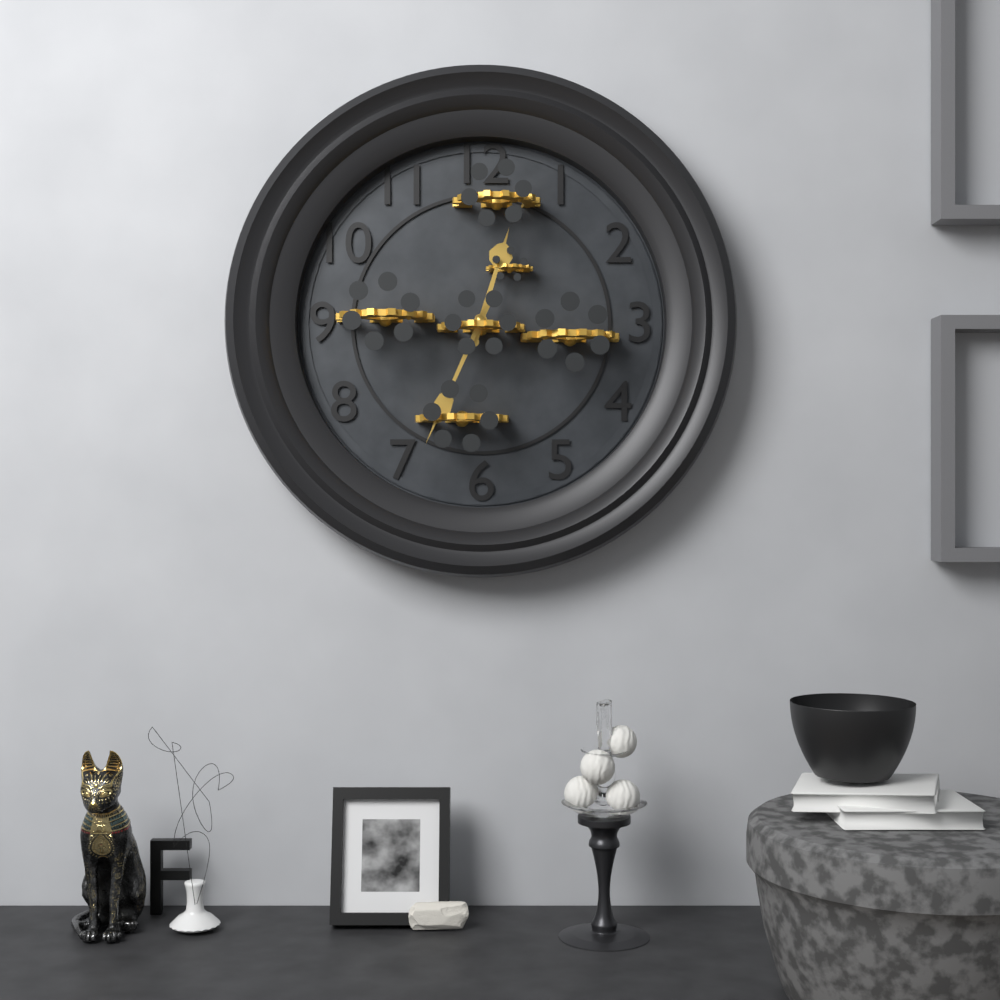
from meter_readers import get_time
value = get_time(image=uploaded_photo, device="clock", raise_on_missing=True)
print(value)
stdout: 12:34
